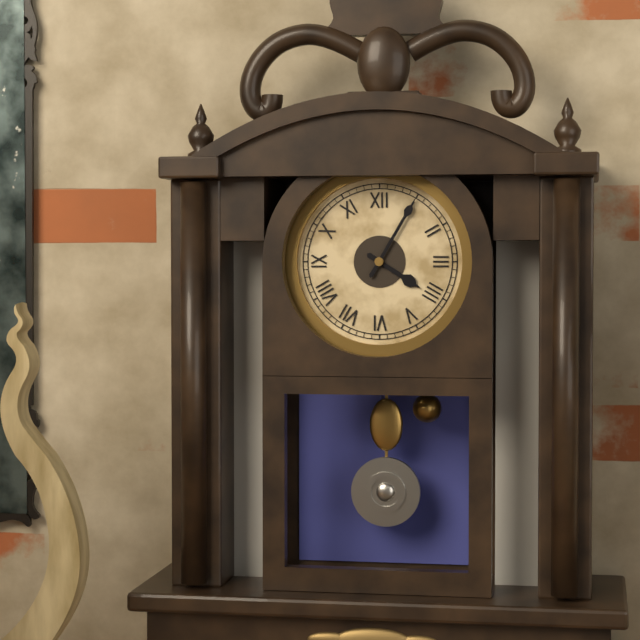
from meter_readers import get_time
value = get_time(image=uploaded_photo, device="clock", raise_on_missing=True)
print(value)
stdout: 4:05
